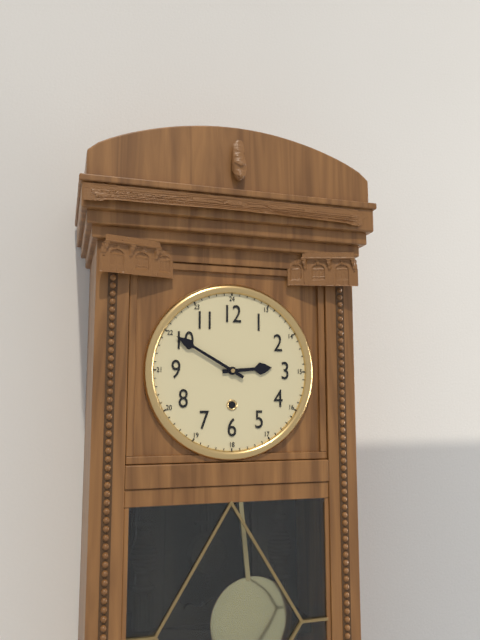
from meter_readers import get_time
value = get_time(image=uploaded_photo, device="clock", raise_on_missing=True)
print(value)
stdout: 2:50
